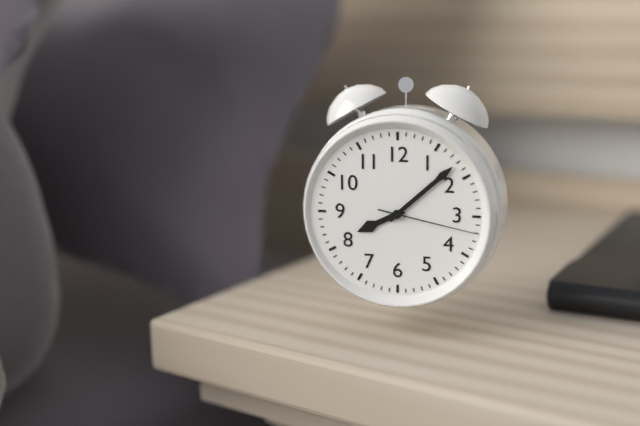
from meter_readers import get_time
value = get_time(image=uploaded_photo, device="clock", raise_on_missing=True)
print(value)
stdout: 8:08:17
